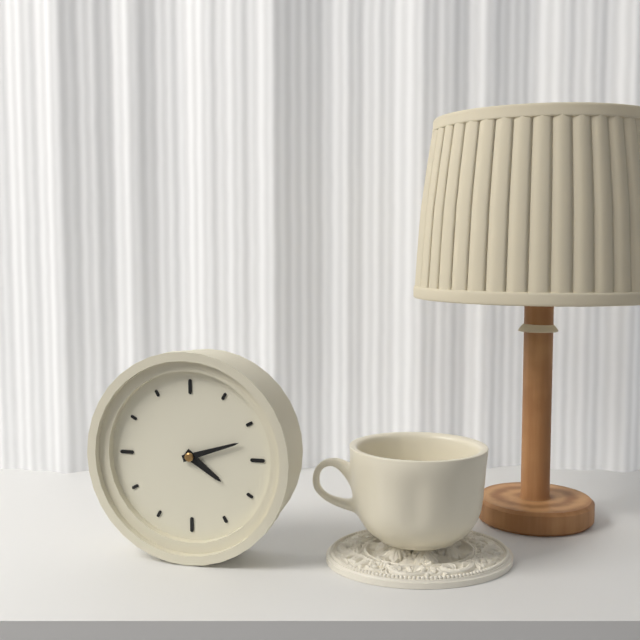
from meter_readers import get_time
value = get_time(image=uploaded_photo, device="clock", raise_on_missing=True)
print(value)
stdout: 4:12
